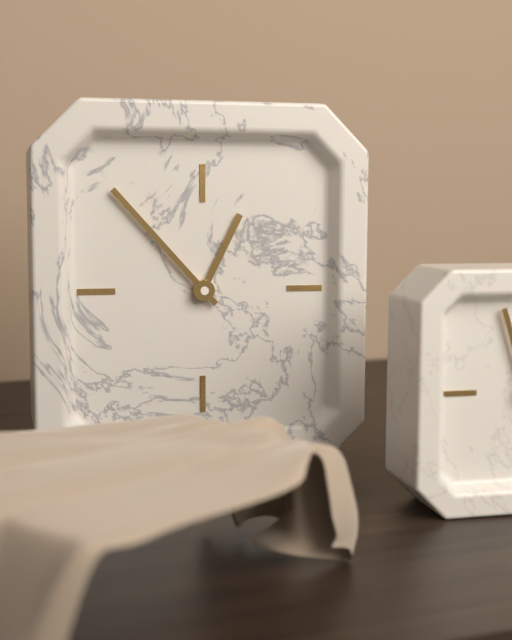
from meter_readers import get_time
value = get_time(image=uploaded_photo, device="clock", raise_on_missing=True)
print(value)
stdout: 12:53
